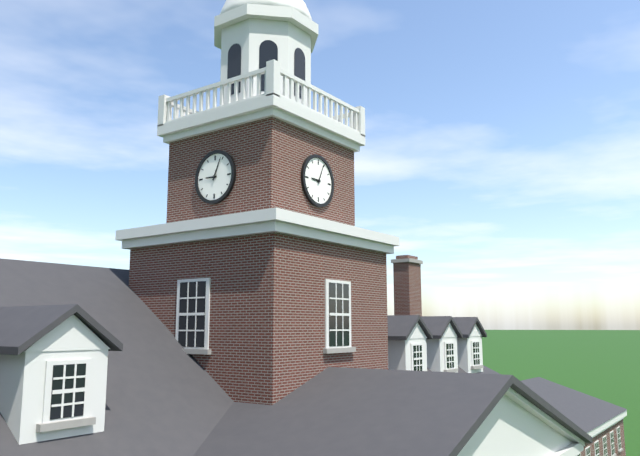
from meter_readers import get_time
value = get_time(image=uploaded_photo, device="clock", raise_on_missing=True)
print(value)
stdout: 9:04
